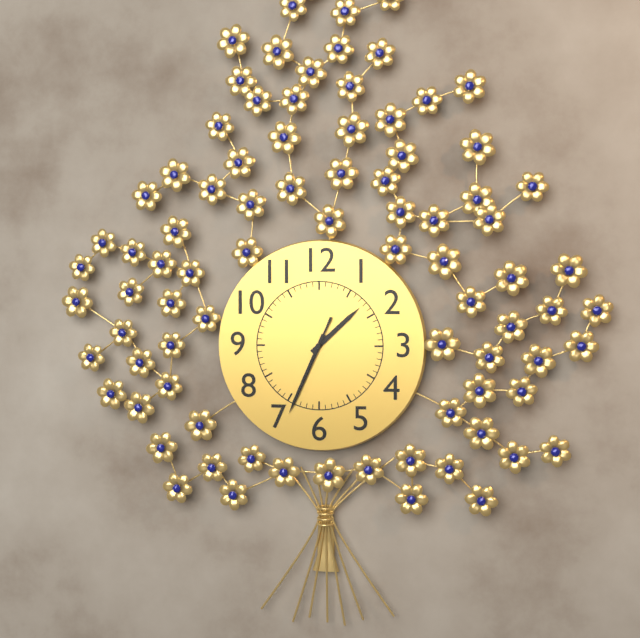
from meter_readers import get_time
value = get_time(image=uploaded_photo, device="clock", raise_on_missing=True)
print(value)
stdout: 1:34:34
